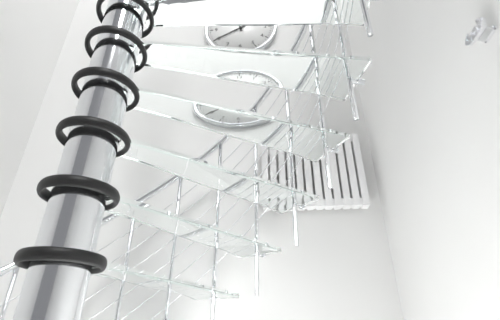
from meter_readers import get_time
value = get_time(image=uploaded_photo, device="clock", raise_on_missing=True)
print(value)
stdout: 11:40
